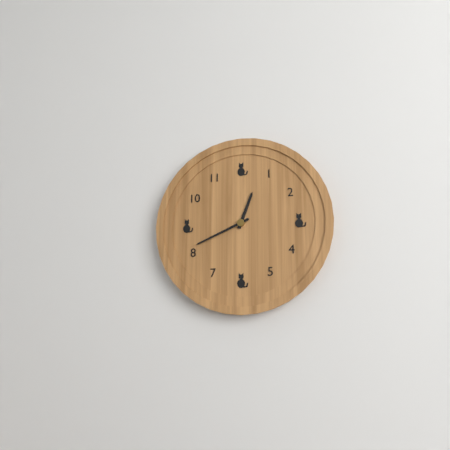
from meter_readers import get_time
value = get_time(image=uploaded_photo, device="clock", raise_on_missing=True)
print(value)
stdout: 12:41
